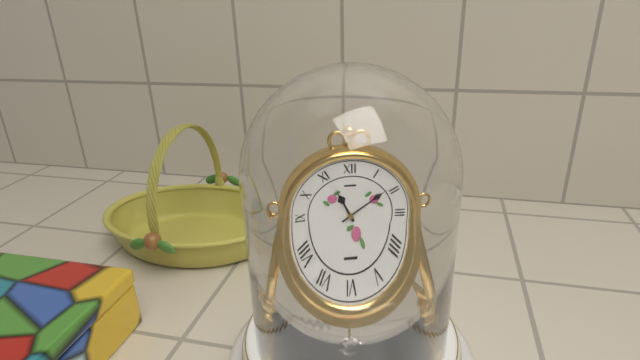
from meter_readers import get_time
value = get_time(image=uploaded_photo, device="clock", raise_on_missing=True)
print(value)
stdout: 11:09
